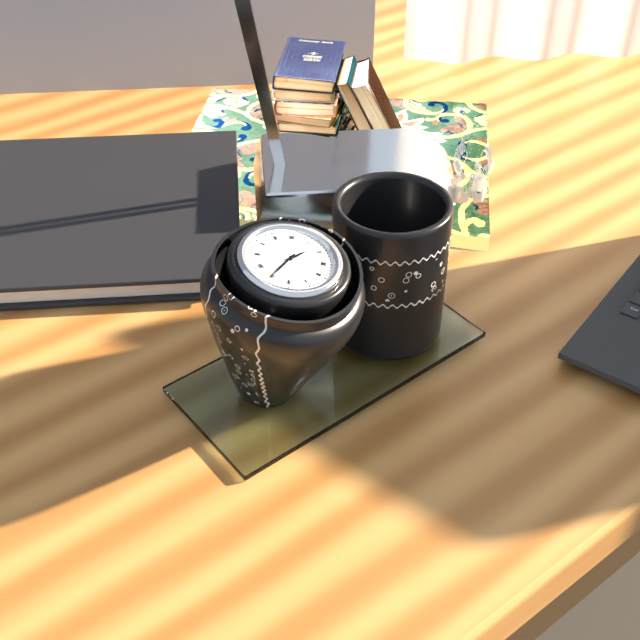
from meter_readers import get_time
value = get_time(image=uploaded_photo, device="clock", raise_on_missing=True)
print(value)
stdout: 1:35
